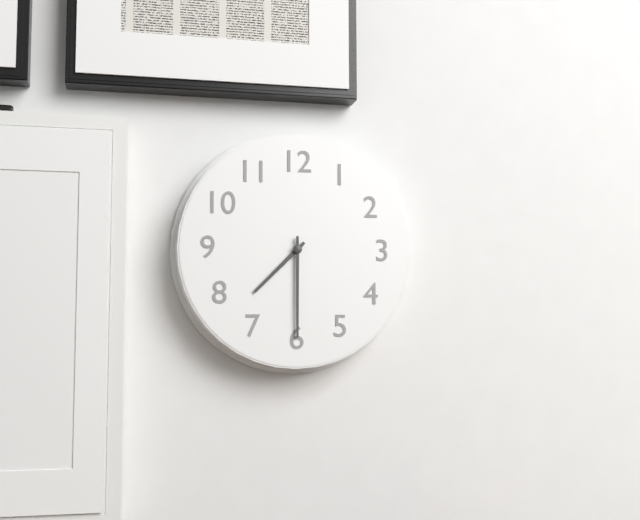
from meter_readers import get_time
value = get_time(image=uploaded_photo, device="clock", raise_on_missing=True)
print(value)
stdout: 7:30
